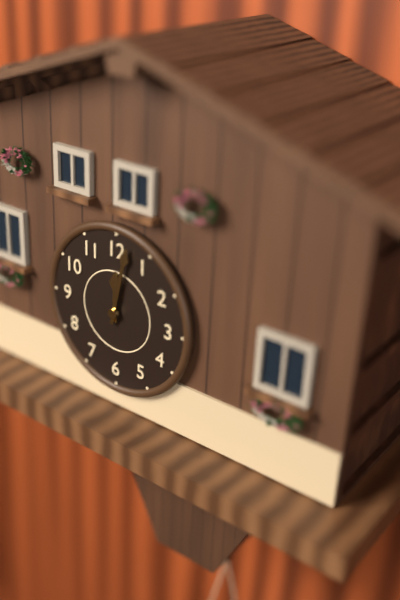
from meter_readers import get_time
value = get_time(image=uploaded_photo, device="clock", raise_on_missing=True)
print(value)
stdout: 12:02
